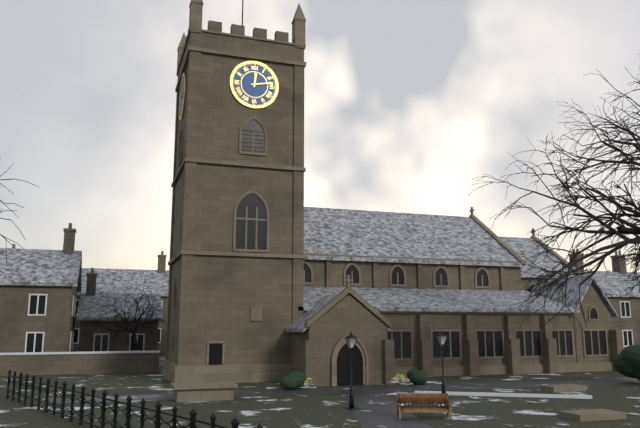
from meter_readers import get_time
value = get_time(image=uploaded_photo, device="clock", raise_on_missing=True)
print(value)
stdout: 12:13
